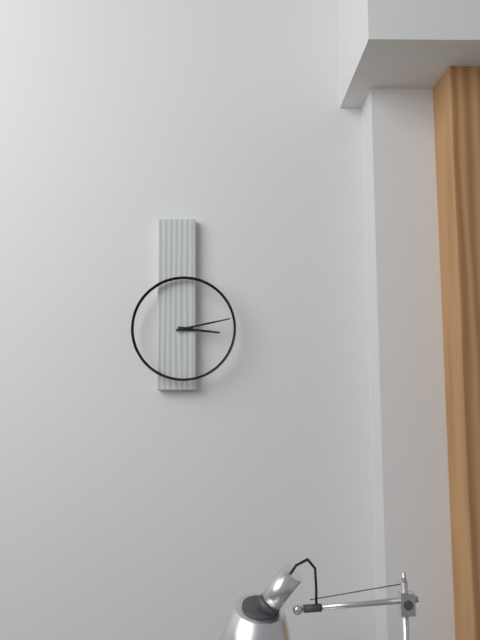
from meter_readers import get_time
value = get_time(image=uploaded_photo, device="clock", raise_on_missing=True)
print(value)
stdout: 3:13
